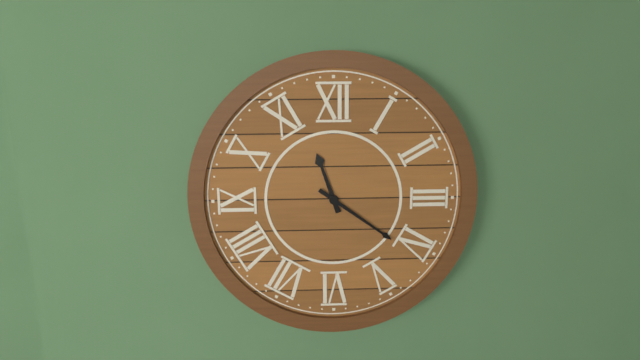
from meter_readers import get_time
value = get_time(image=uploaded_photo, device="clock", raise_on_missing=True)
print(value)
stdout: 11:21
